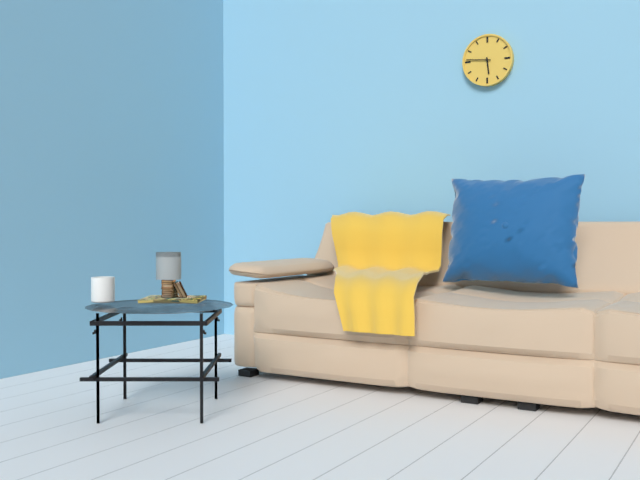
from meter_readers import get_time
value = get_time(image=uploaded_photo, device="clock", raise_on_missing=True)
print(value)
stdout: 5:46
